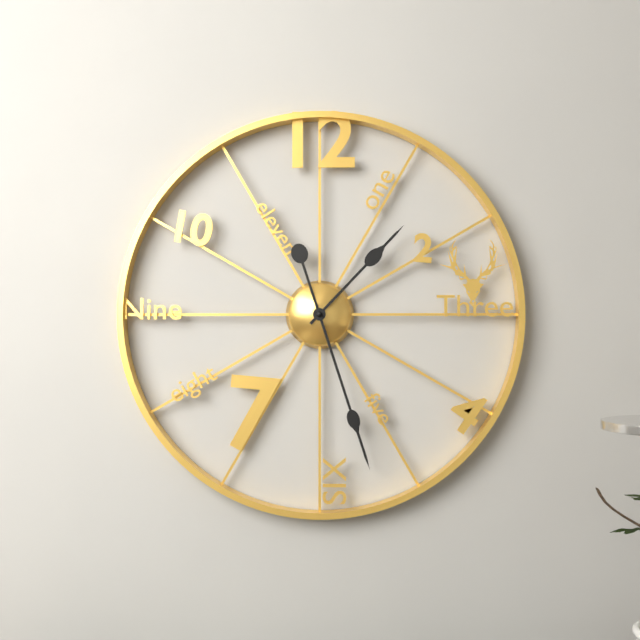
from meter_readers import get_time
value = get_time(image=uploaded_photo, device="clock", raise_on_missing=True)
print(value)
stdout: 1:27
